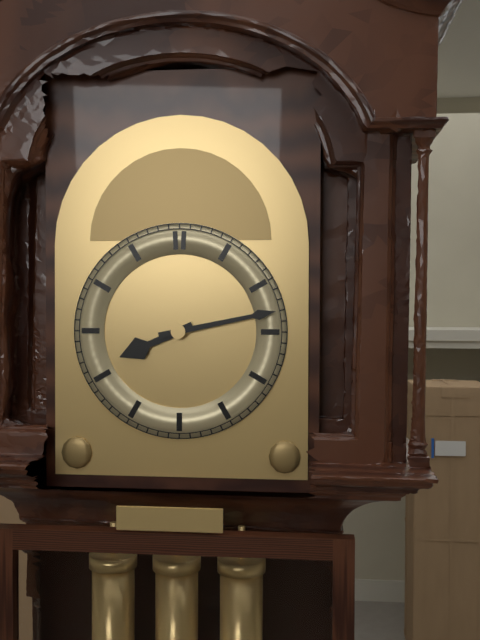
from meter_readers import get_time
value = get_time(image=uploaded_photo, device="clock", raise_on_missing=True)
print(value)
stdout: 8:13
